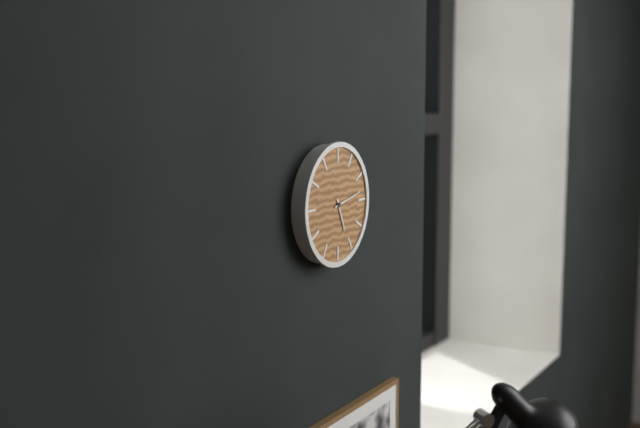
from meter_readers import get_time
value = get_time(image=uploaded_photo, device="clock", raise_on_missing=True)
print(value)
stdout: 5:13
